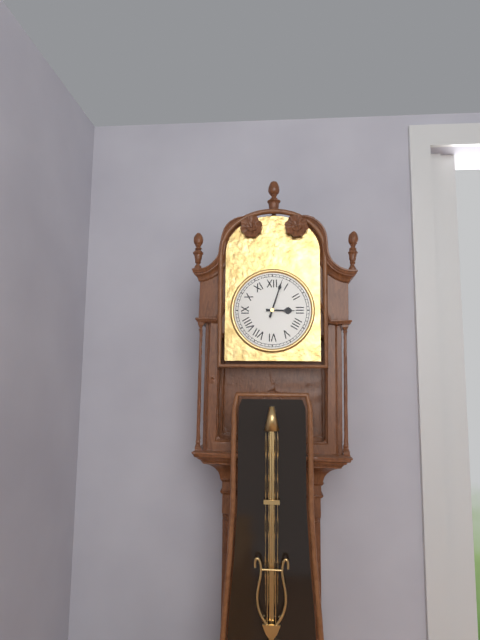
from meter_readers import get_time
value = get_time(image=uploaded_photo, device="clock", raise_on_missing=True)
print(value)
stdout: 3:03
